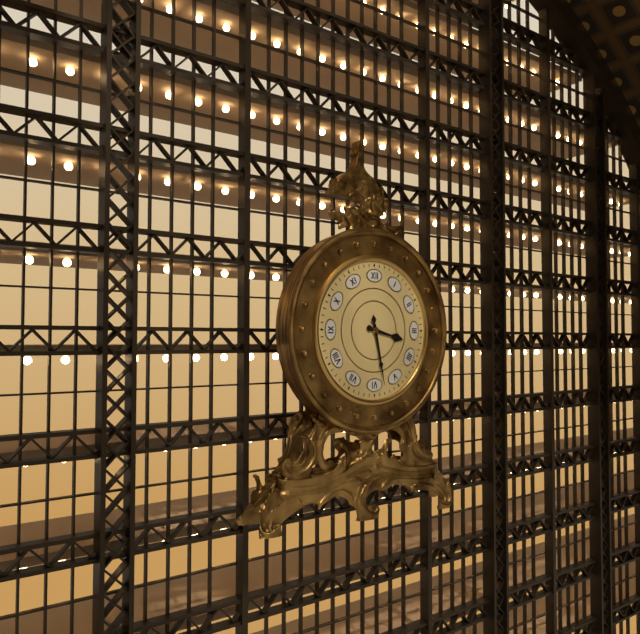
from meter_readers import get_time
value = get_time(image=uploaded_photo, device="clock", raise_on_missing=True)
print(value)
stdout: 3:28
